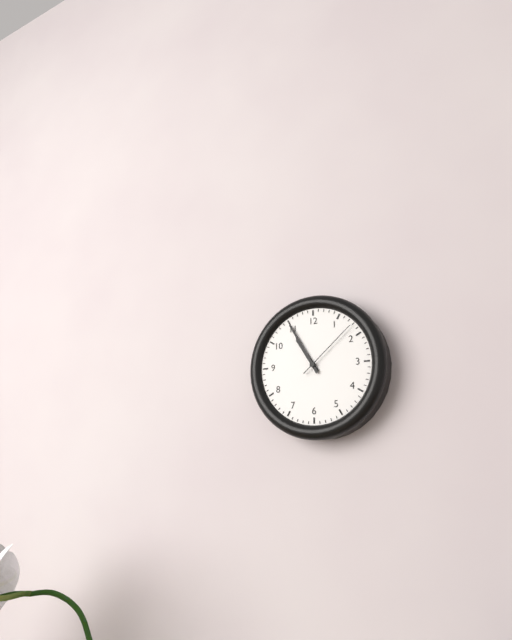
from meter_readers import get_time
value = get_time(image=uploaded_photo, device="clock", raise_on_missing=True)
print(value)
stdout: 10:55:08
